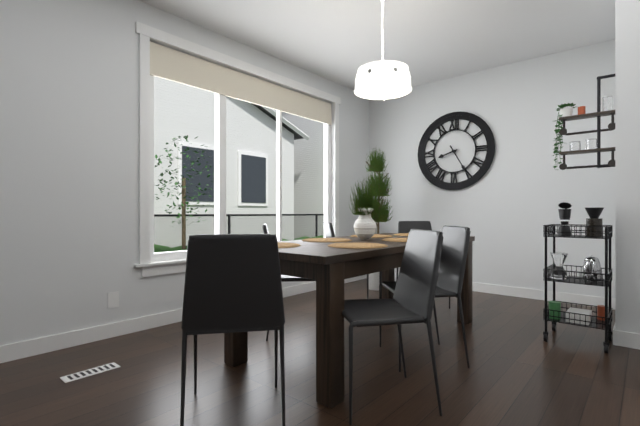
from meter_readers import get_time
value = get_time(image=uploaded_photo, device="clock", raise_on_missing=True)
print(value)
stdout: 8:25
